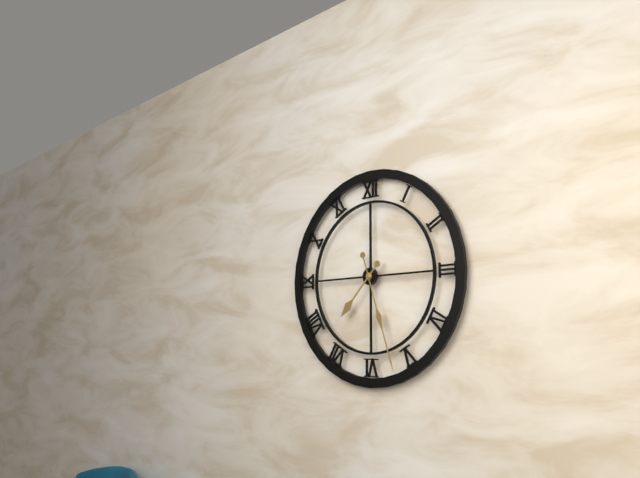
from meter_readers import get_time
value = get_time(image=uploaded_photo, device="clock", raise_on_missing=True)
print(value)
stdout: 7:27
